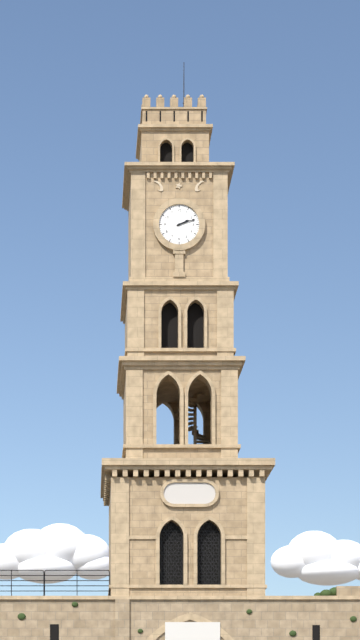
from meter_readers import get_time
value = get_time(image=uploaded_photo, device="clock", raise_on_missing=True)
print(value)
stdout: 2:12
